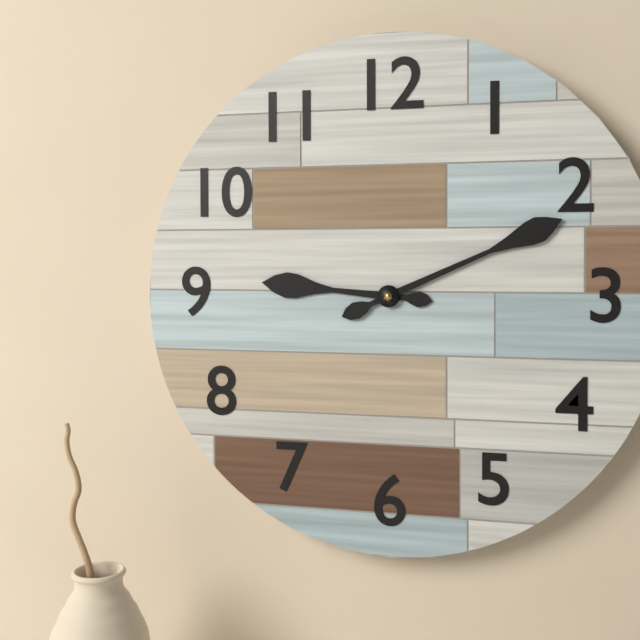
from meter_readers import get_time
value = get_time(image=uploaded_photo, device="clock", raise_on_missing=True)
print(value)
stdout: 9:11
